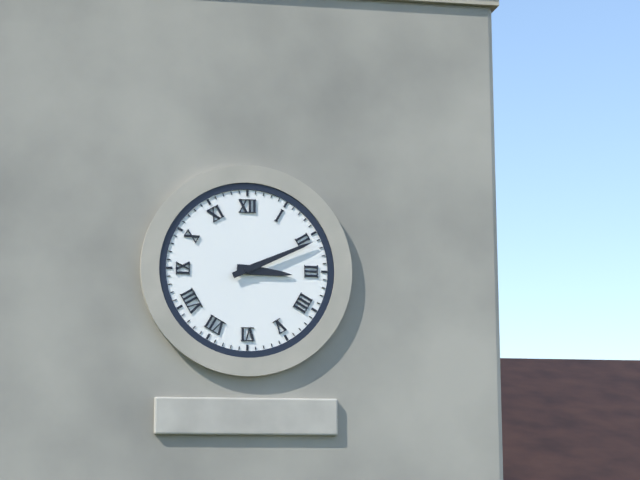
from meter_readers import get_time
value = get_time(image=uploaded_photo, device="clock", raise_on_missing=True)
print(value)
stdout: 3:11
